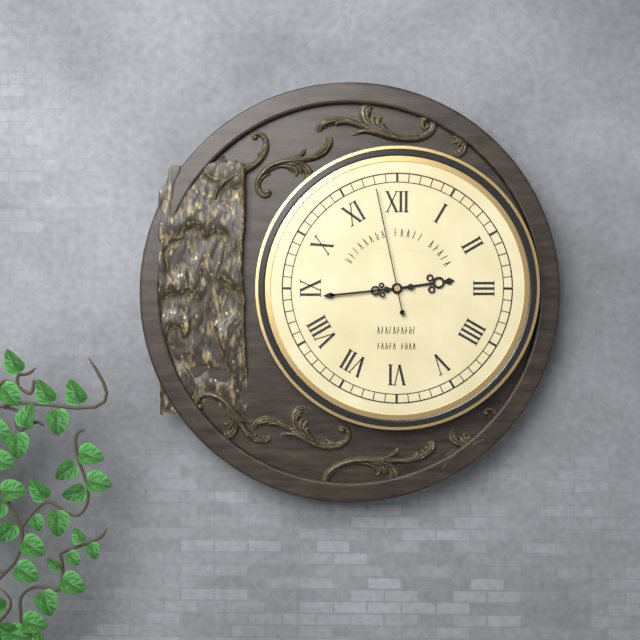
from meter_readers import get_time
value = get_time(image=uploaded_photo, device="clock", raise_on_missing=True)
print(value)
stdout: 2:44:58
